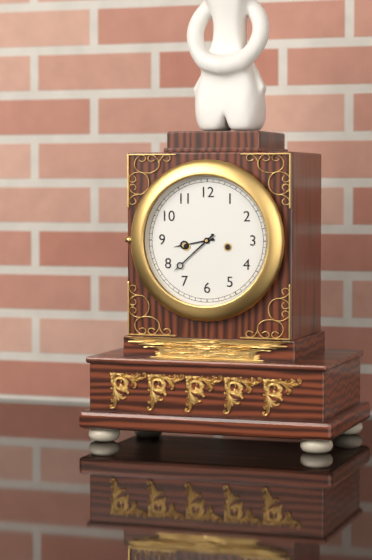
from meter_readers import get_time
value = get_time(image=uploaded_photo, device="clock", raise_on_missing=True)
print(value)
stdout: 8:38
